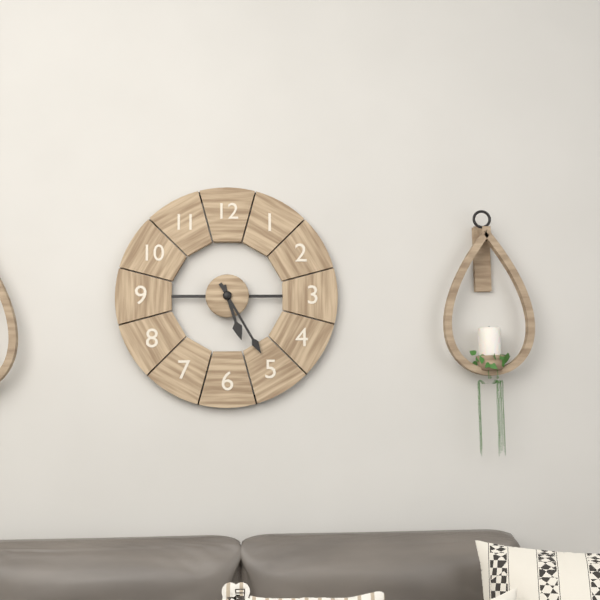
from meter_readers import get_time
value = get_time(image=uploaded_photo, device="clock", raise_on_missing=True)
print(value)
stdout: 5:25
